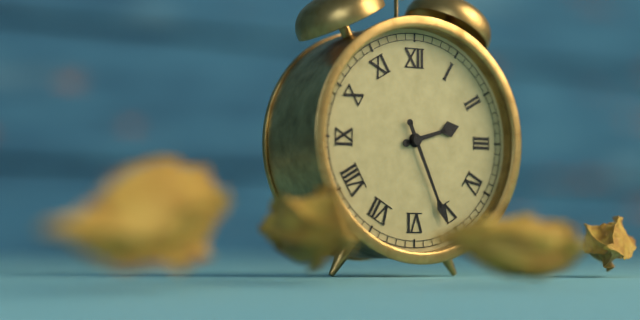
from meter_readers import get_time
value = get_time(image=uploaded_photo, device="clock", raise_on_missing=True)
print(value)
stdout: 2:26
